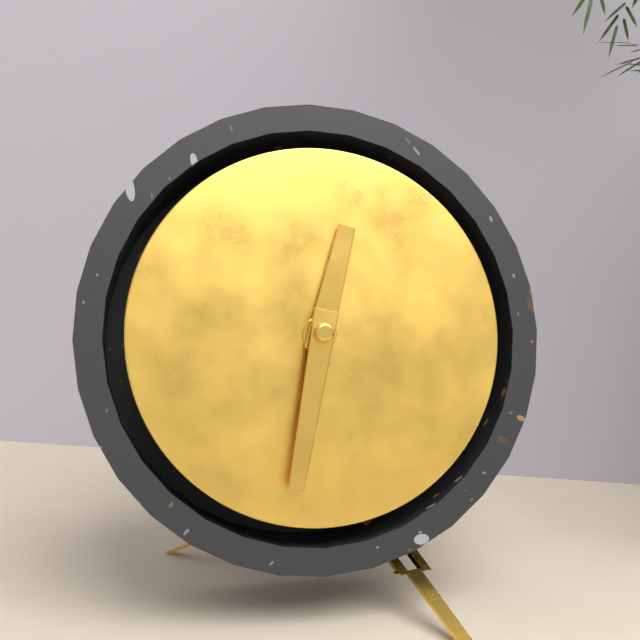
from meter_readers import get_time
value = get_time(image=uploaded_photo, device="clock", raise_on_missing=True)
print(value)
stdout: 12:32
